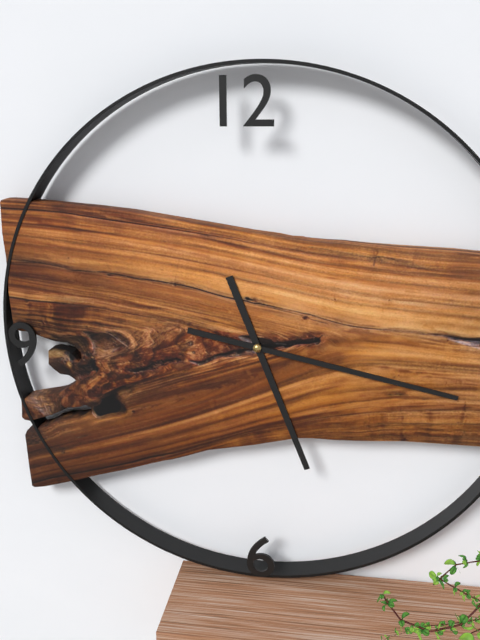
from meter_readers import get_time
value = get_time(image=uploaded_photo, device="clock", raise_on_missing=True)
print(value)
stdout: 5:17
